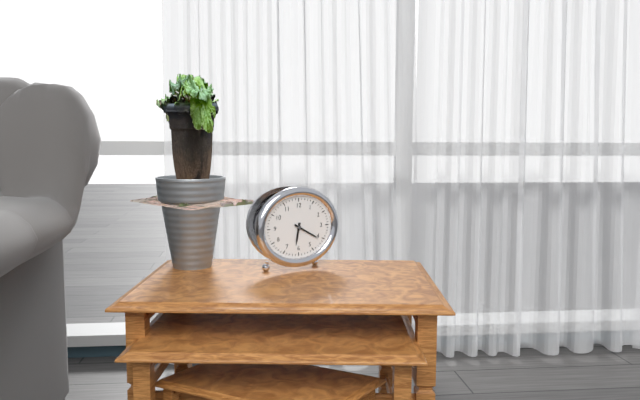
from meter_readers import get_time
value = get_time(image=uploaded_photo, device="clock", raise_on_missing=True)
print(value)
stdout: 6:20
